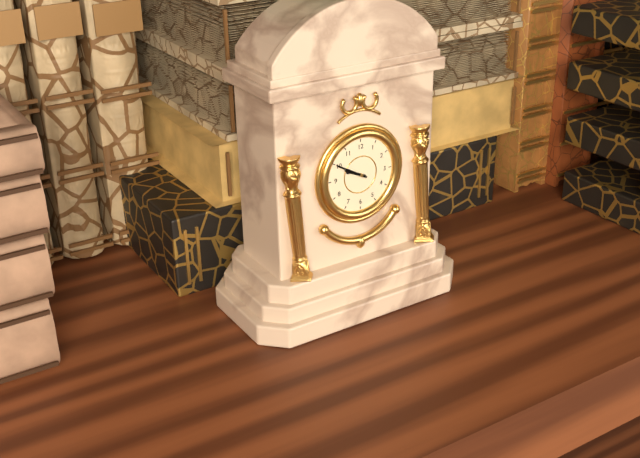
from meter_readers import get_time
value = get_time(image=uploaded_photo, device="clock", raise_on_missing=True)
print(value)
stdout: 9:50
